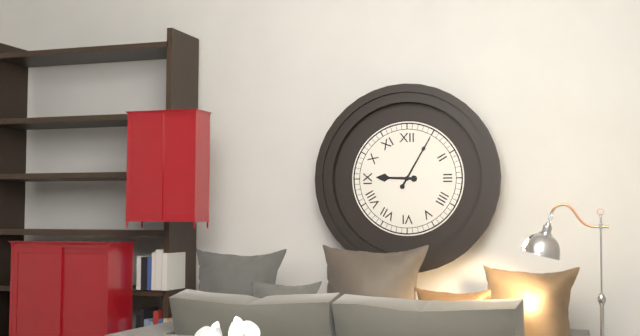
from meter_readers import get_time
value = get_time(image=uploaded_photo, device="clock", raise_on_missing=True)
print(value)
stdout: 9:05
